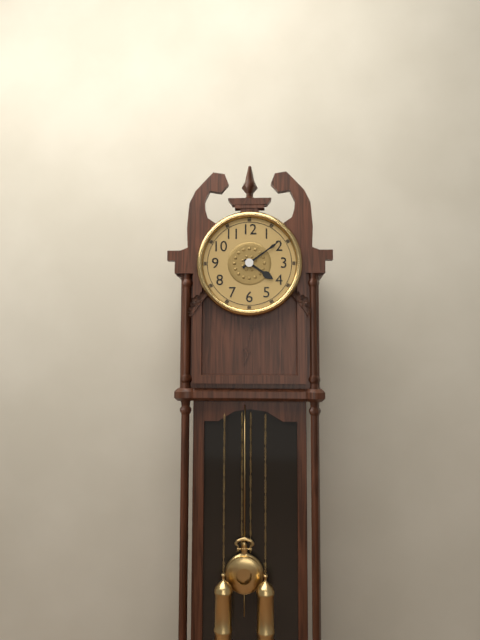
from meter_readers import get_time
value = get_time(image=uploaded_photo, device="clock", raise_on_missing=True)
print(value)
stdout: 4:09
